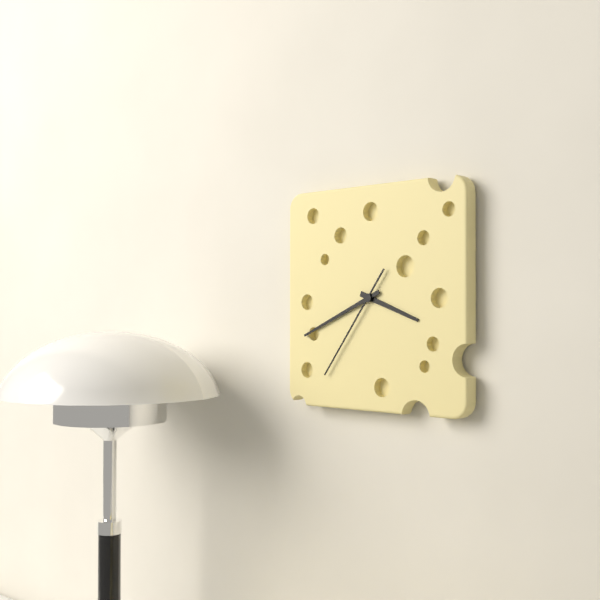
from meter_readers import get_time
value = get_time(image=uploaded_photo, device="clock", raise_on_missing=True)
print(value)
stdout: 3:41:36
